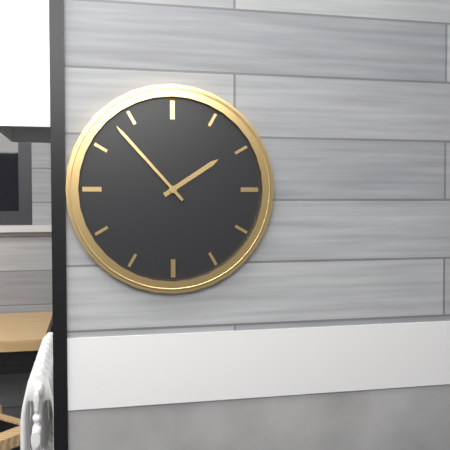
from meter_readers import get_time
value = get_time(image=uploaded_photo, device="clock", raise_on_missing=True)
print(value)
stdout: 1:53
